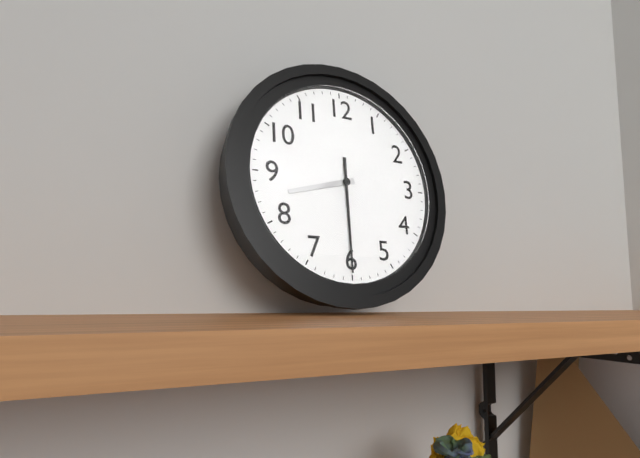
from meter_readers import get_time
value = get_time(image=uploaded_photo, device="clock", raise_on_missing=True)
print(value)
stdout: 8:30
